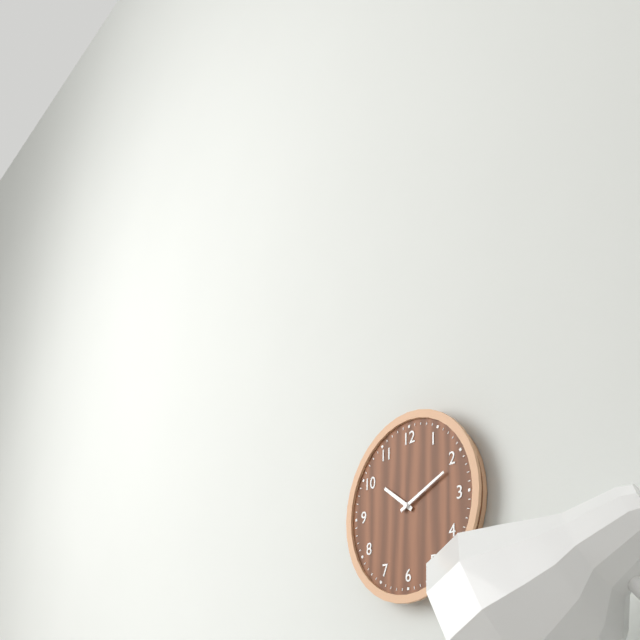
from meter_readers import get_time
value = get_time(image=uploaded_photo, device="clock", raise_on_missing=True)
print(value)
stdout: 10:11
